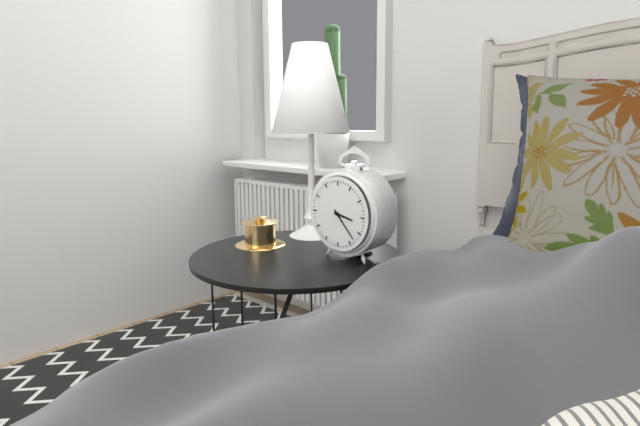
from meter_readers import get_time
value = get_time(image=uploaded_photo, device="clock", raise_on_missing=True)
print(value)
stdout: 3:23
